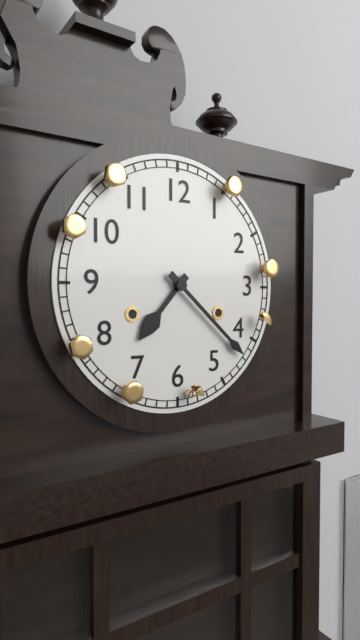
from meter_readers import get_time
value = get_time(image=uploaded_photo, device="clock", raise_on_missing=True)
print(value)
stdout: 7:22
